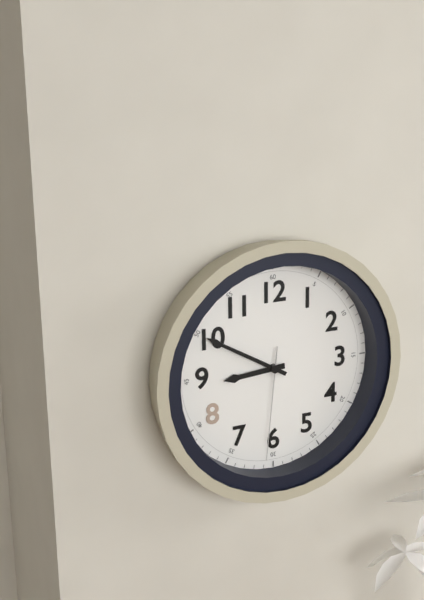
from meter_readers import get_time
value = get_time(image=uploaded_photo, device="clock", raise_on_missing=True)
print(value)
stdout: 8:50:31
